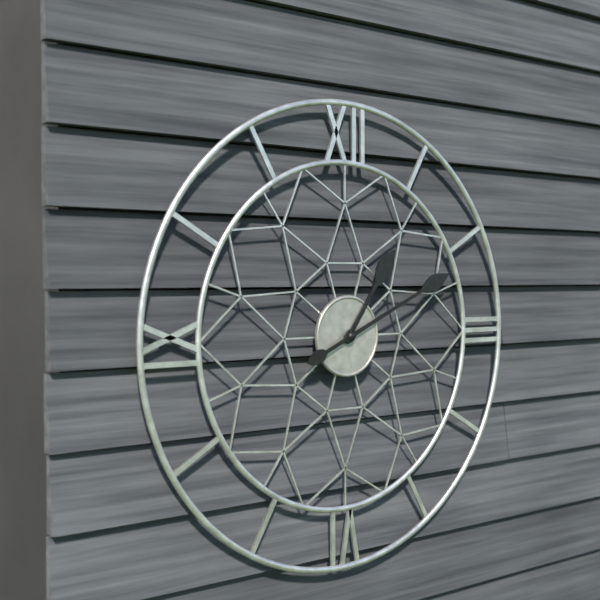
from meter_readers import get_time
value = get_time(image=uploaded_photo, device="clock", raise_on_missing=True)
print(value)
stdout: 1:11
